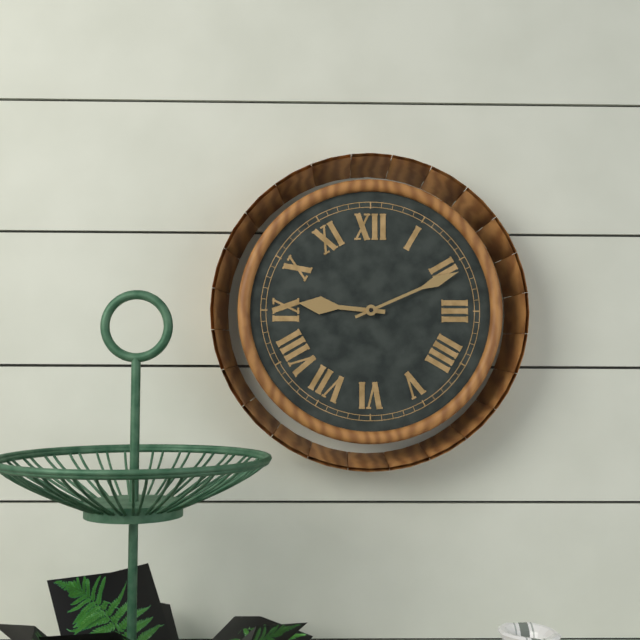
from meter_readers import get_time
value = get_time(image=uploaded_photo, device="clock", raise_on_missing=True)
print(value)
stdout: 9:11
